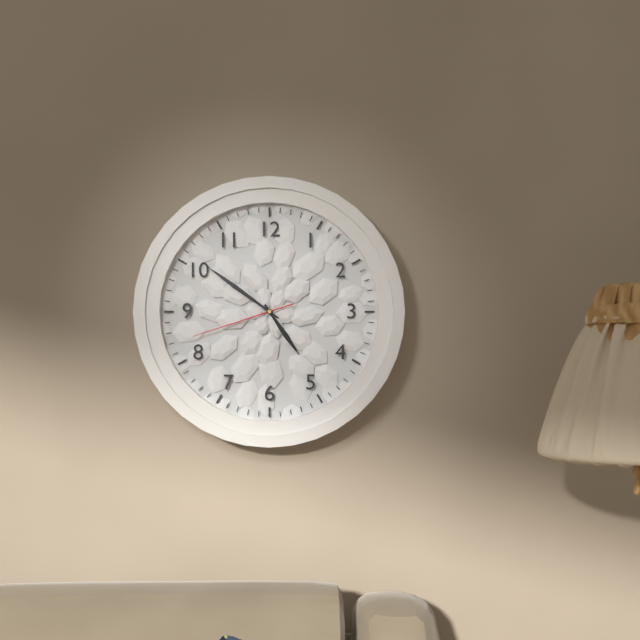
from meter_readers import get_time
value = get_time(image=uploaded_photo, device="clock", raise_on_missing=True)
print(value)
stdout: 4:51:42
